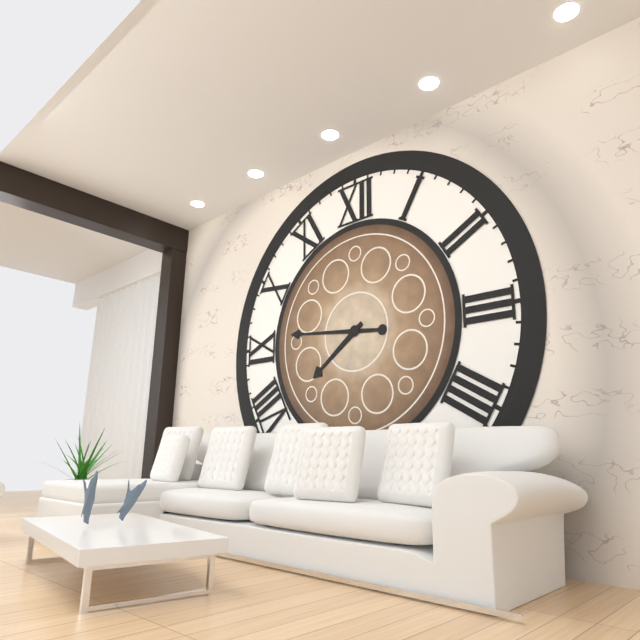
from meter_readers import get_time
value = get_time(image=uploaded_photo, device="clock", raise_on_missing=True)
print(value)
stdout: 7:46
